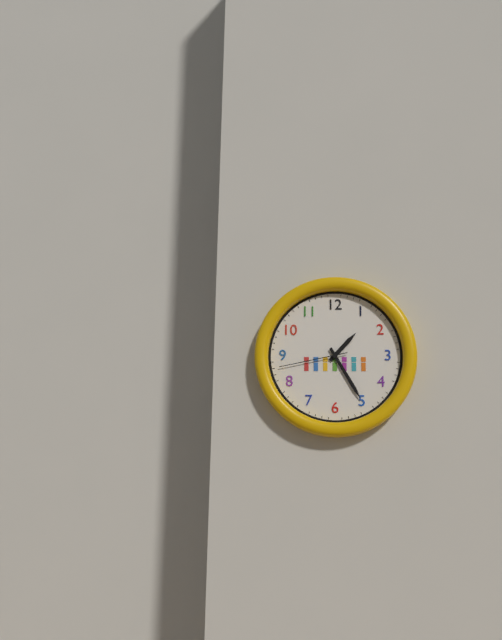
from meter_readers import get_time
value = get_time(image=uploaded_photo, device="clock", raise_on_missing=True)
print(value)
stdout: 1:25:43
